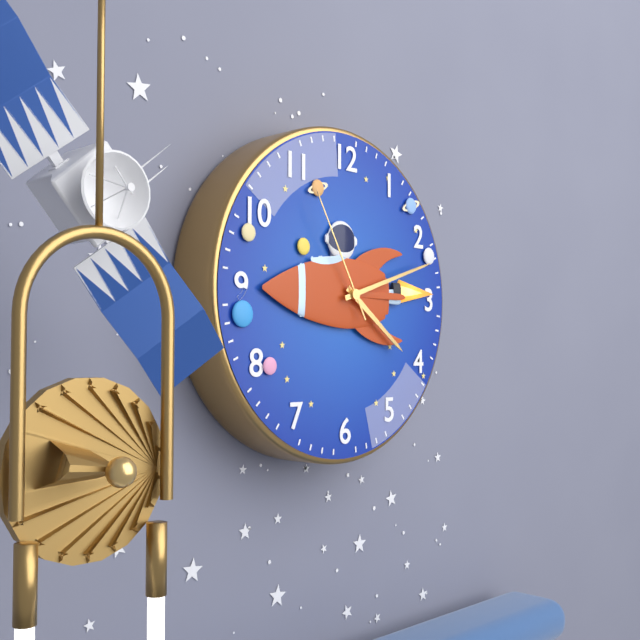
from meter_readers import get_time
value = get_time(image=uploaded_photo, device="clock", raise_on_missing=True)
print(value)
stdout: 4:12:55
